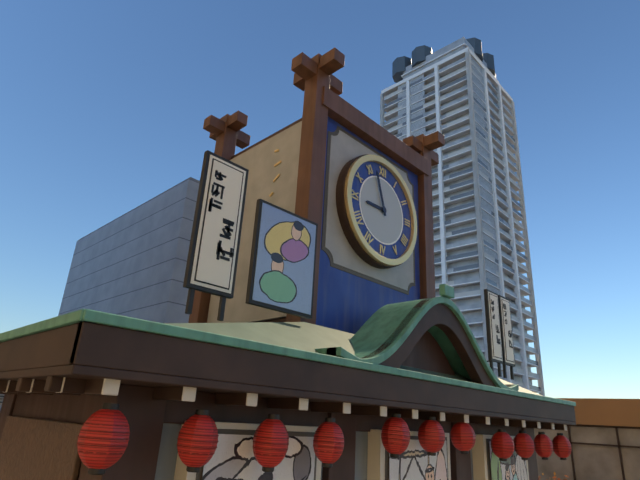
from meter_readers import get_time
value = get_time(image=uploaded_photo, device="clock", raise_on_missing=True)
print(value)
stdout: 8:57
